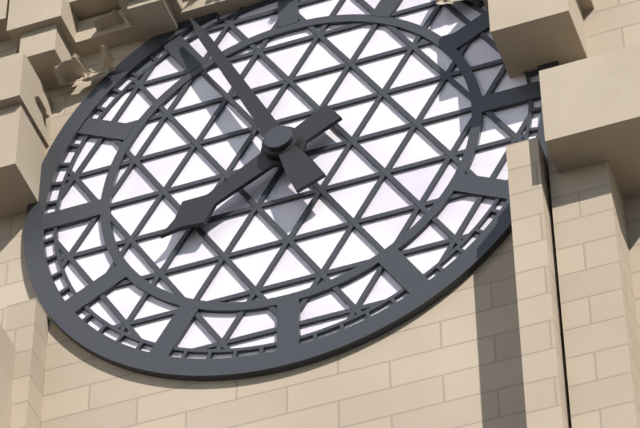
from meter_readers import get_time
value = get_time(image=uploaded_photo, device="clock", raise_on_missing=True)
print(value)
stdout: 7:56
